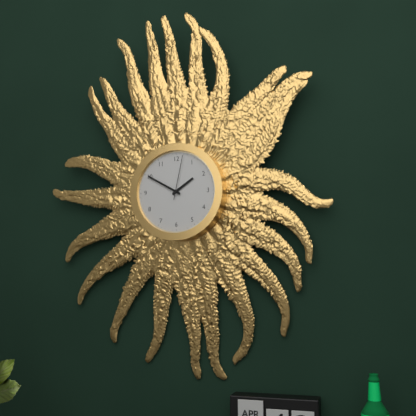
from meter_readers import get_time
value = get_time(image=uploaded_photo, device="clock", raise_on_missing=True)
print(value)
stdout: 1:50
